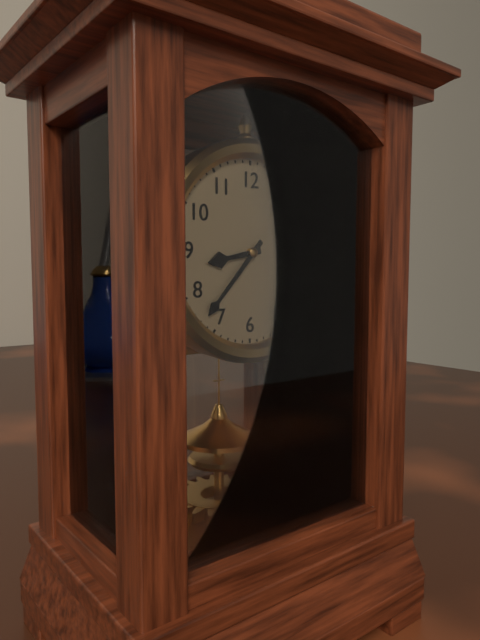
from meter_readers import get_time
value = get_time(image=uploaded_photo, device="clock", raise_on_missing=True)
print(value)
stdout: 8:37
